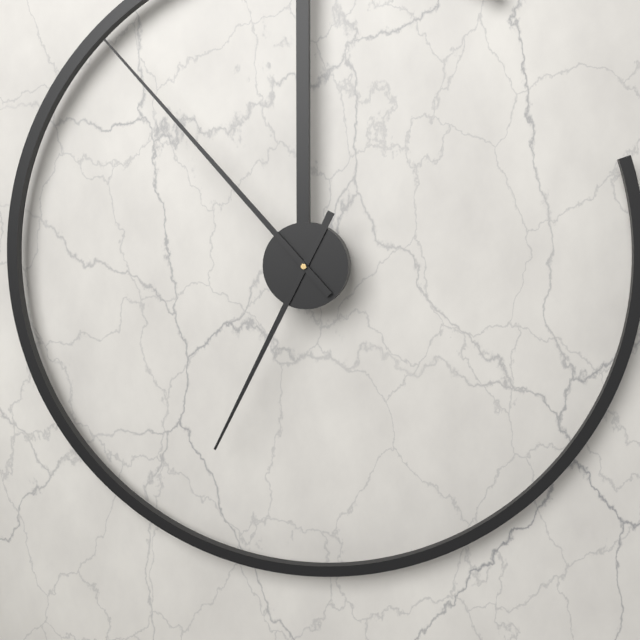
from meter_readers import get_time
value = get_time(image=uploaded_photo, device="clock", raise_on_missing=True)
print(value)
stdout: 6:53
